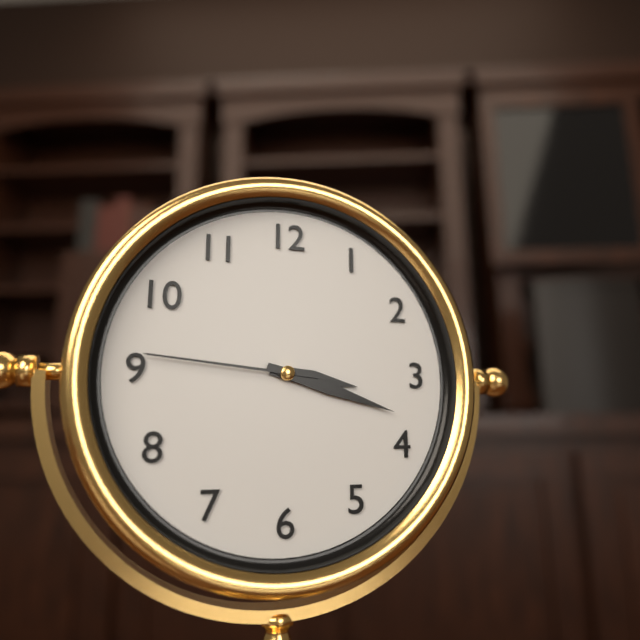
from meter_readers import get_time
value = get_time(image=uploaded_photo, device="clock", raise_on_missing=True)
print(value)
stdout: 3:18:46
